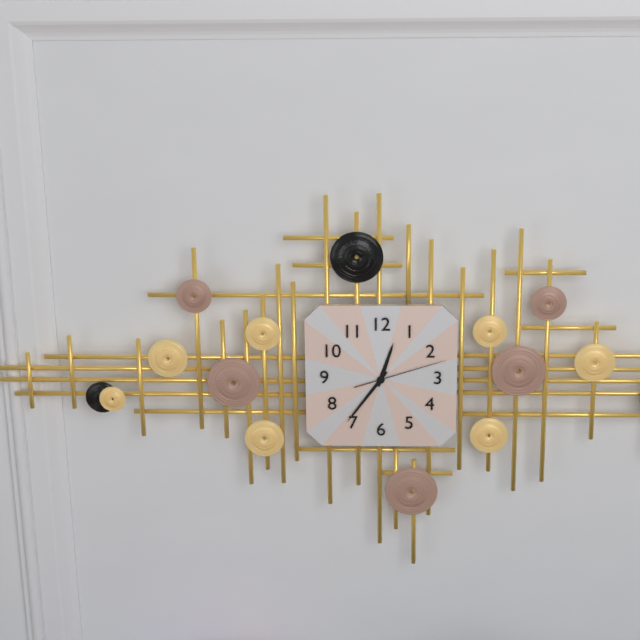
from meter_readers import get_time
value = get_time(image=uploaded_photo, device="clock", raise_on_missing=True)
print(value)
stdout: 12:36:12
